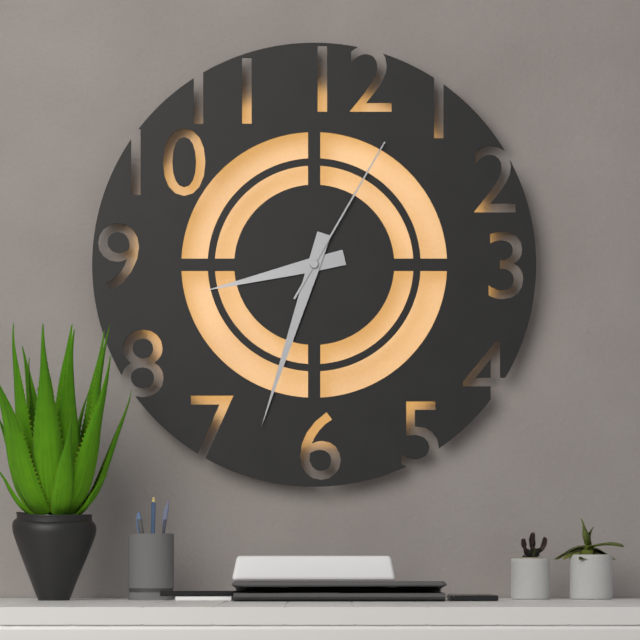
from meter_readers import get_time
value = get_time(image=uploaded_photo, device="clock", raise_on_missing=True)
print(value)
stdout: 8:33:05
